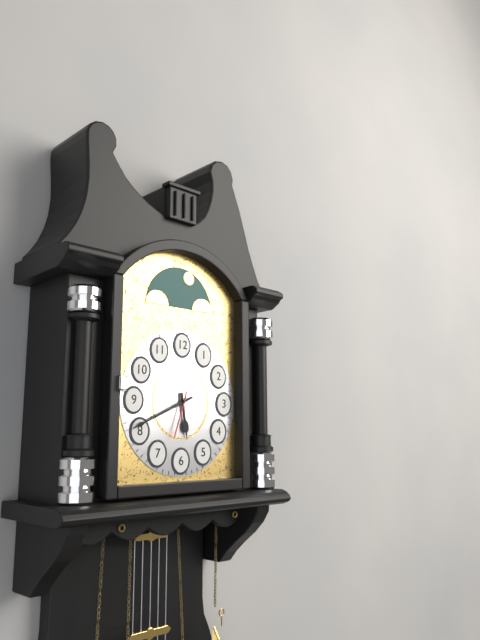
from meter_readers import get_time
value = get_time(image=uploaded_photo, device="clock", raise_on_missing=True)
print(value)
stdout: 5:41
